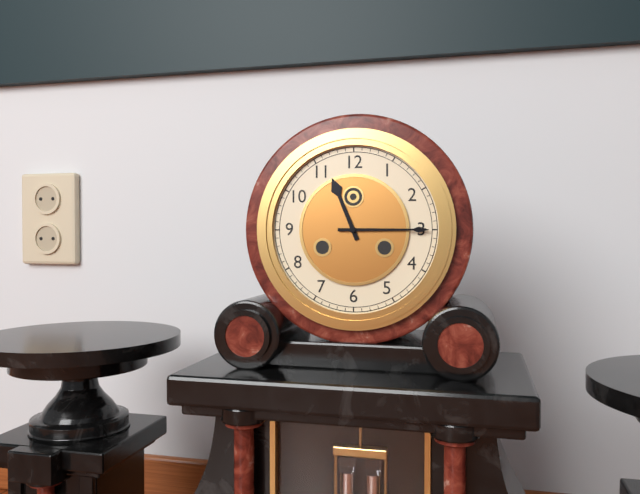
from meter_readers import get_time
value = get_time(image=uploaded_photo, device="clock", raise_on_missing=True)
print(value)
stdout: 11:15
